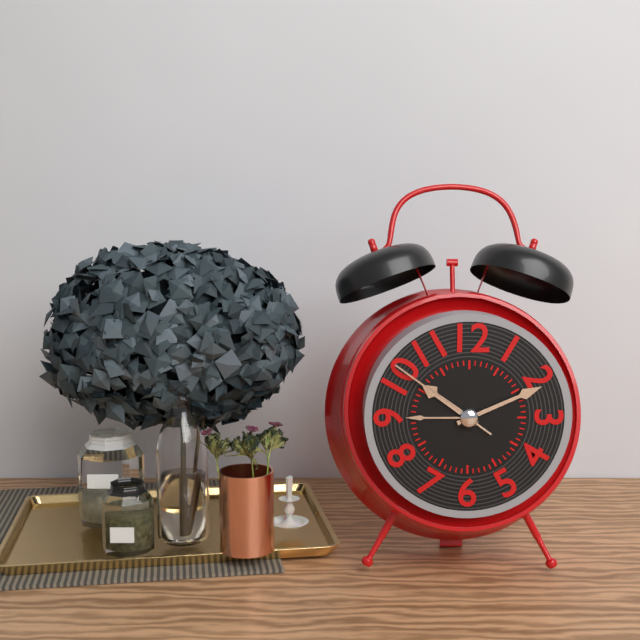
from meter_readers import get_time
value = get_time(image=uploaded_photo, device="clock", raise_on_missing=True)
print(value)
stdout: 10:11:51
